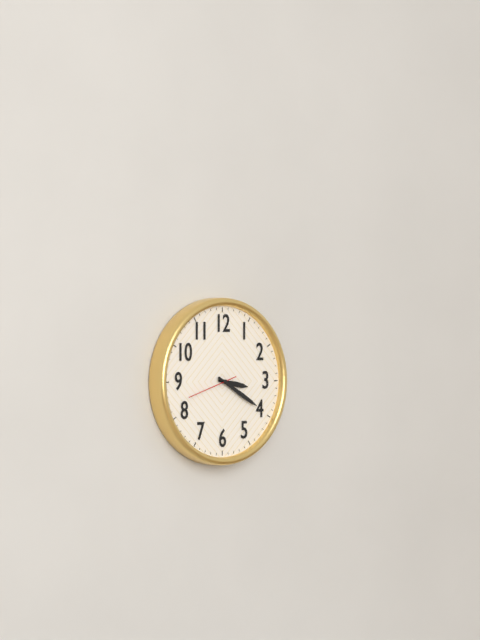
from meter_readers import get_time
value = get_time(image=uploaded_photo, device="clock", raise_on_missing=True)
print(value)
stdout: 3:20
